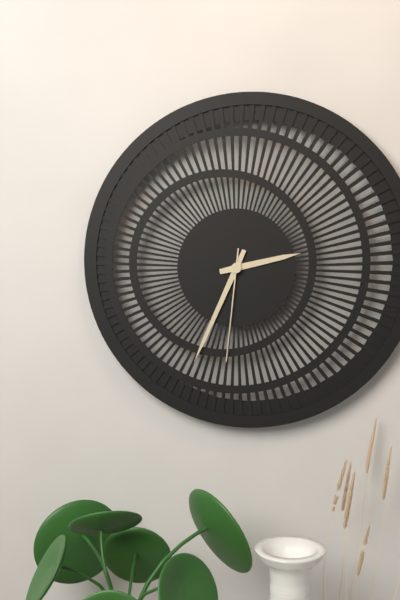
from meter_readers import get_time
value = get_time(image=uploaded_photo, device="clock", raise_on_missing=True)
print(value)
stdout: 2:34:31
